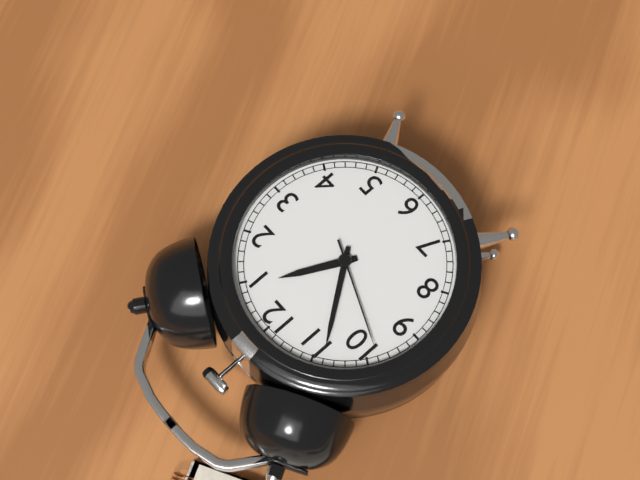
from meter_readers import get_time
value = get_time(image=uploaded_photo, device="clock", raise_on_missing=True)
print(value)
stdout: 12:54:49
